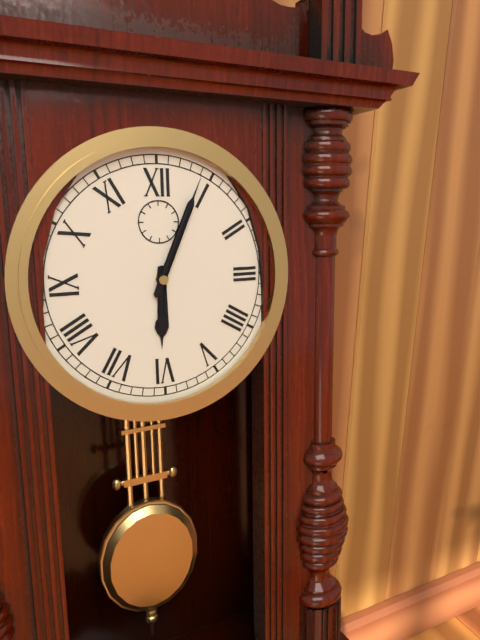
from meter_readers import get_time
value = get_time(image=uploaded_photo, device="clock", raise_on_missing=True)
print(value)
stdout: 6:04
